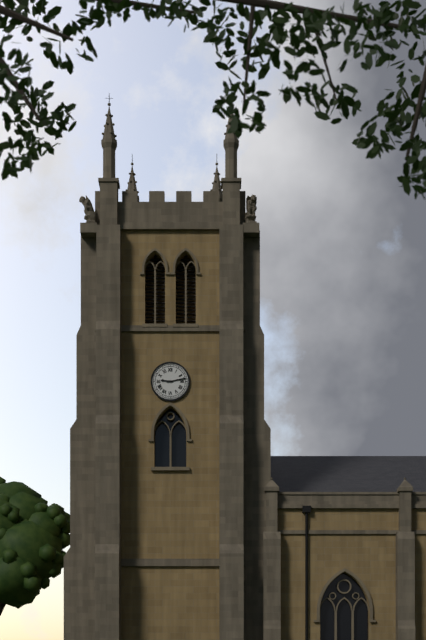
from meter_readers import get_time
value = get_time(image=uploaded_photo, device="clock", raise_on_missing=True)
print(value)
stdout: 9:13
